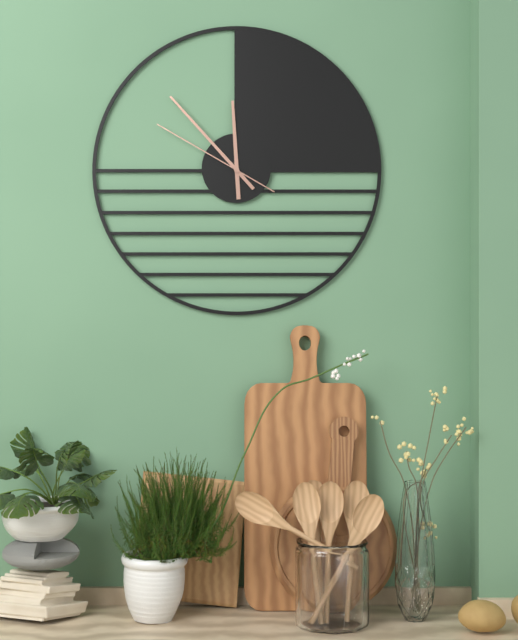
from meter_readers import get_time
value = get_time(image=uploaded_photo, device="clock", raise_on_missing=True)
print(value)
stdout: 11:53:50
